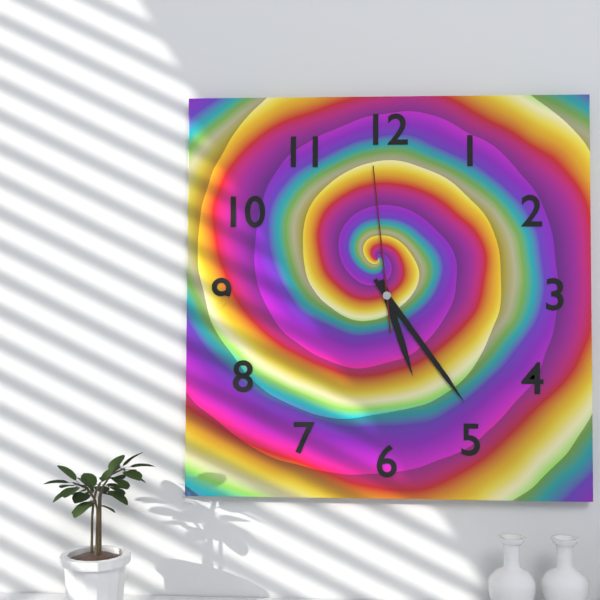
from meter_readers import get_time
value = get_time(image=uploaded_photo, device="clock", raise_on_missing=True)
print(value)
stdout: 5:24:59
